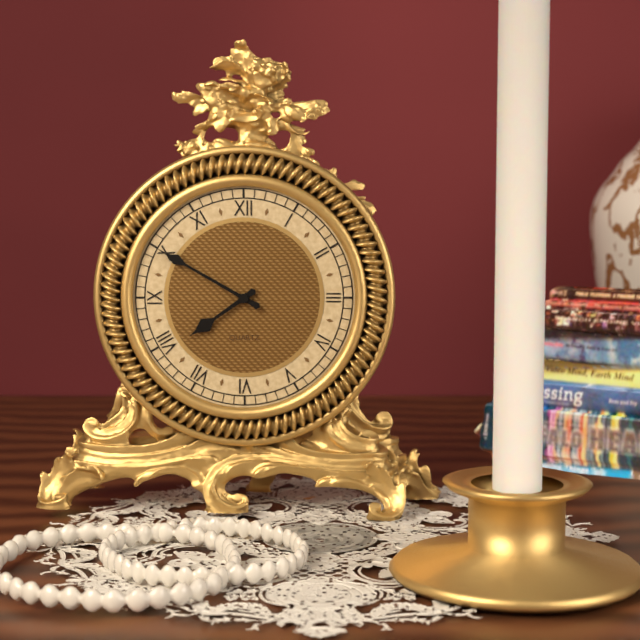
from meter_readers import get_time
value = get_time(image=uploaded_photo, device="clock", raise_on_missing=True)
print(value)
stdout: 7:50
